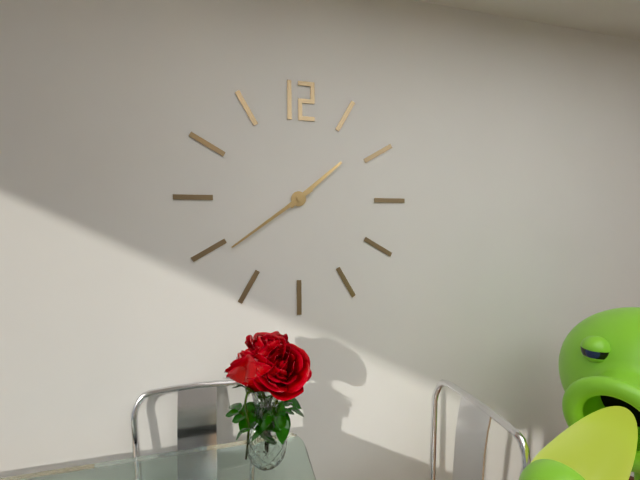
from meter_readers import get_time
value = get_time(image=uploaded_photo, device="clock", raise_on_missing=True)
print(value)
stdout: 1:39
